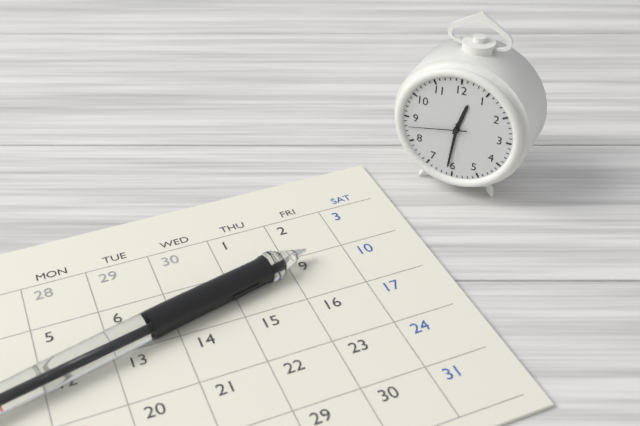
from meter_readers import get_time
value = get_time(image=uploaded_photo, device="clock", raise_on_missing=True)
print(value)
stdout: 12:31:43
